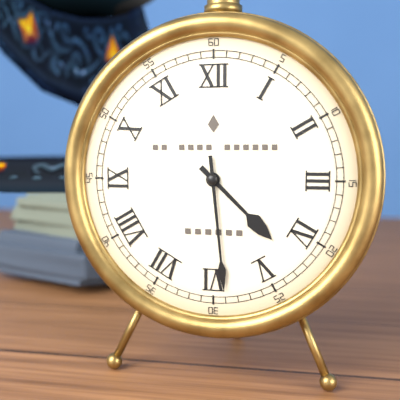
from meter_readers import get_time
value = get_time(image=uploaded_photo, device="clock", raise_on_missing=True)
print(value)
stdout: 4:29
